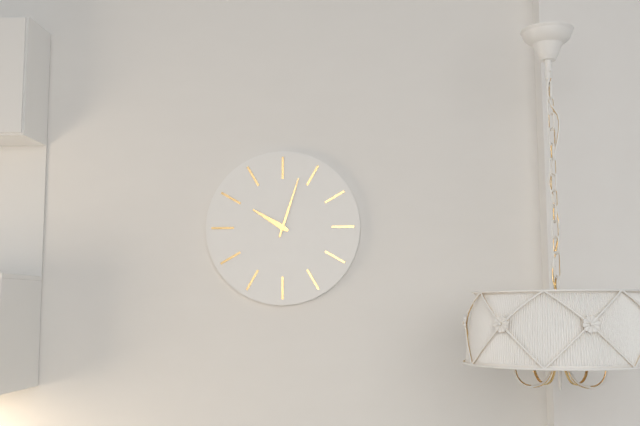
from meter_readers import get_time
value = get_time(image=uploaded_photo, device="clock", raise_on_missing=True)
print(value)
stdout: 10:03
